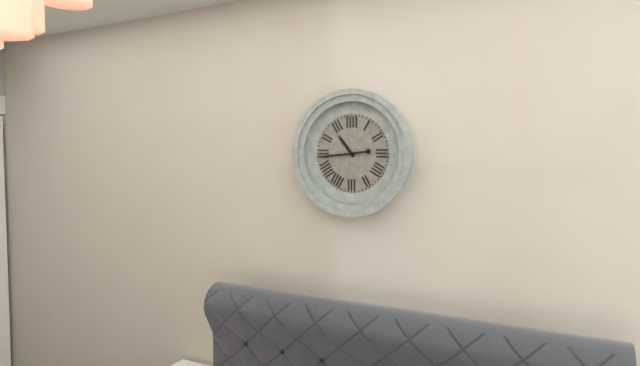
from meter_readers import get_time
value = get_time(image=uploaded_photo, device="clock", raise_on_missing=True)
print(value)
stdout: 10:44
